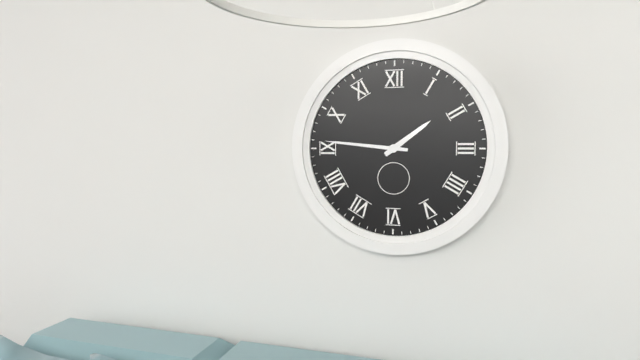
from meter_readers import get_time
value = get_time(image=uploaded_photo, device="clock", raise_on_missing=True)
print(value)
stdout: 1:46
